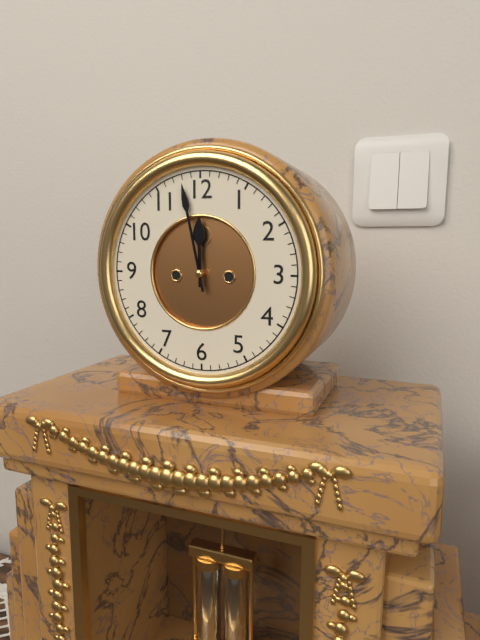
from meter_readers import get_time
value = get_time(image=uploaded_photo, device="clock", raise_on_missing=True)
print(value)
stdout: 11:58
